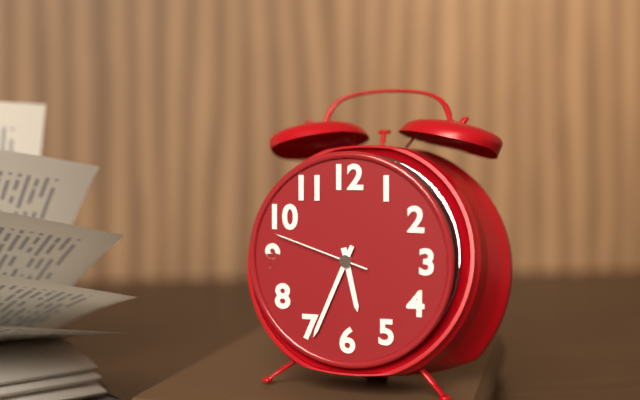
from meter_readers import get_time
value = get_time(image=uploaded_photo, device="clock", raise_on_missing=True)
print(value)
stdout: 5:34:48
